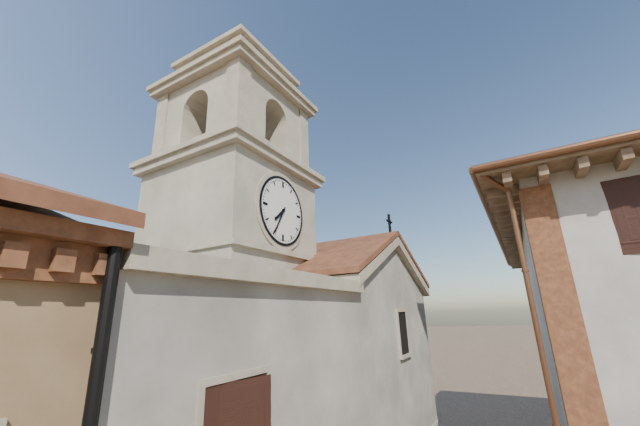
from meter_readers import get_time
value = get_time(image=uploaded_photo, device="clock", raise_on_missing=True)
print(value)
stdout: 7:35
